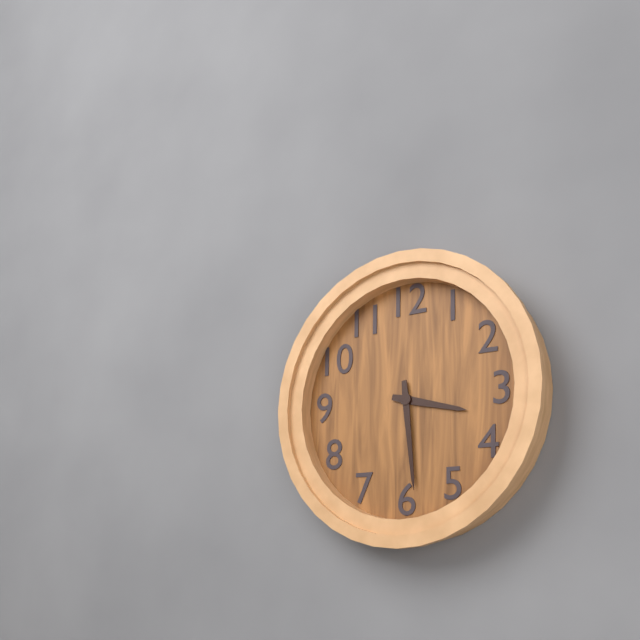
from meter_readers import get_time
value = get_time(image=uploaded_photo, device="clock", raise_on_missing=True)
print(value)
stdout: 3:29
